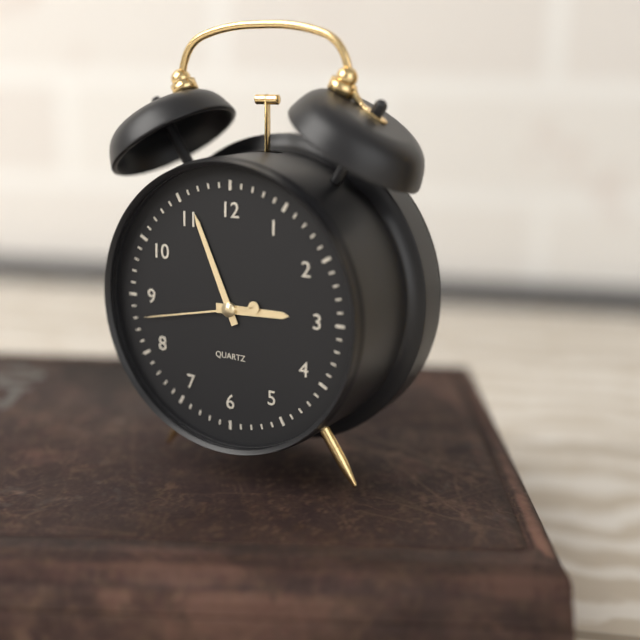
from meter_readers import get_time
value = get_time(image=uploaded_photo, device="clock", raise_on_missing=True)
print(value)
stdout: 2:56:43
